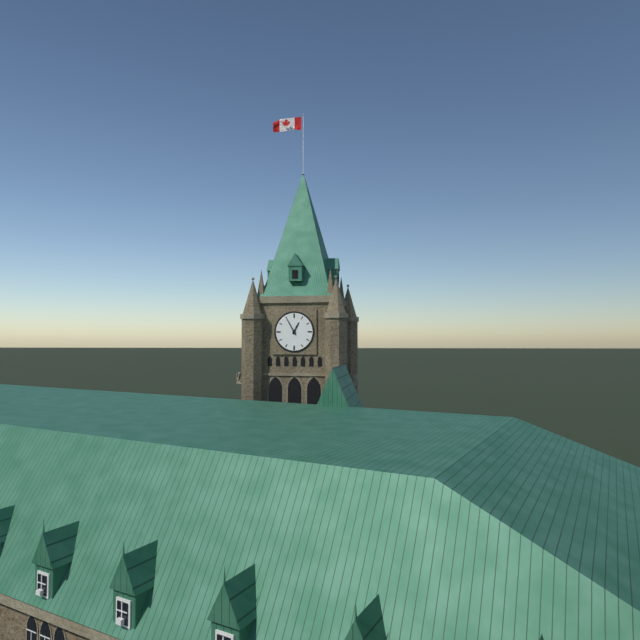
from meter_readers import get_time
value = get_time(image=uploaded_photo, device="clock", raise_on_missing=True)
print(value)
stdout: 12:55
